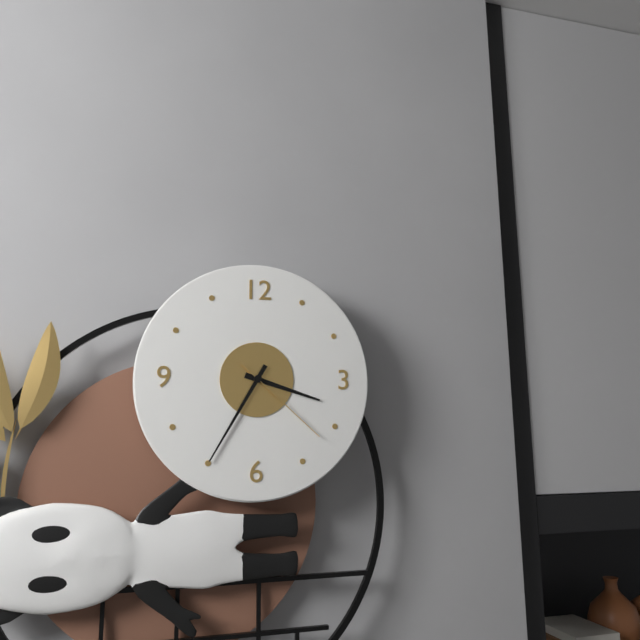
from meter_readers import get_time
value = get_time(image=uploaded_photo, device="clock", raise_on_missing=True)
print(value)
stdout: 3:35:22
